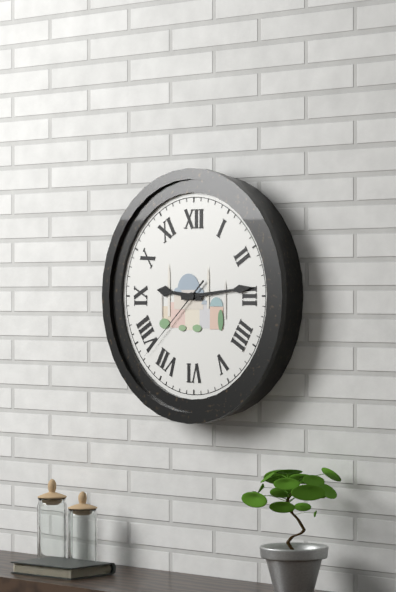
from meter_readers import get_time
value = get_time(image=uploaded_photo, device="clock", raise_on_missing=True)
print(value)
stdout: 9:14:38
